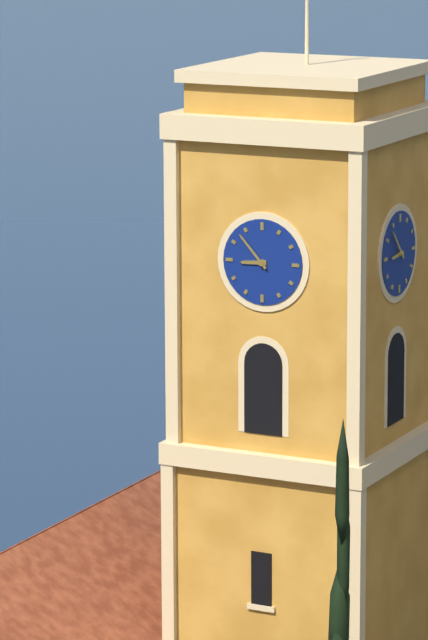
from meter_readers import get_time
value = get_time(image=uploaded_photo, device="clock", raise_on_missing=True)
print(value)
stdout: 8:53
